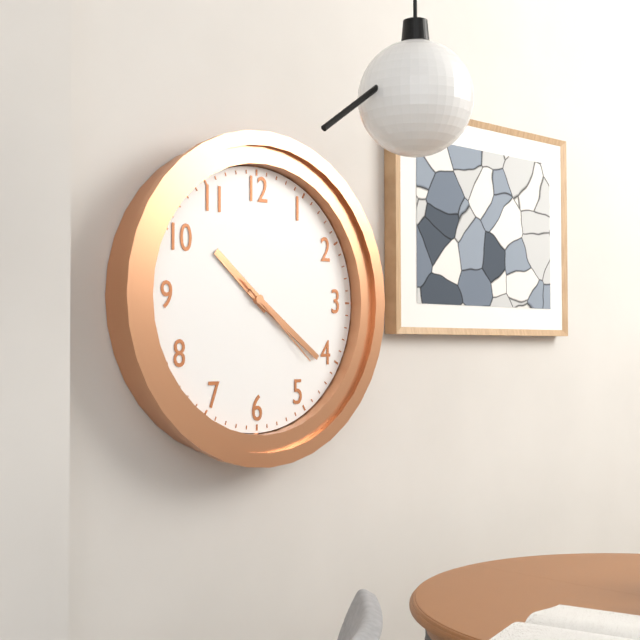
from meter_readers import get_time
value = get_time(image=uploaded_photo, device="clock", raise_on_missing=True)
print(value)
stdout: 10:21:22
